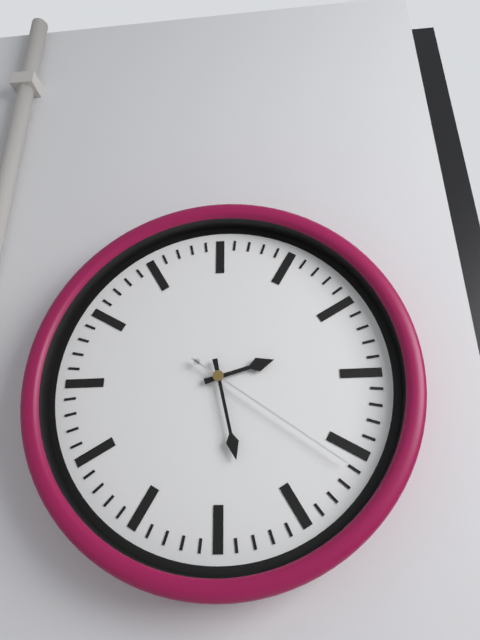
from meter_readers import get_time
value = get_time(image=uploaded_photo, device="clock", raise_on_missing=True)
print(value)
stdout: 2:28:21
